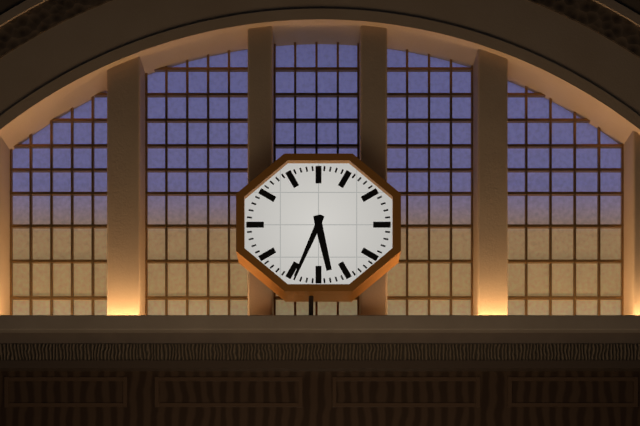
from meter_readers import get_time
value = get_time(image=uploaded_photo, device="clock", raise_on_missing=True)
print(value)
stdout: 5:34
